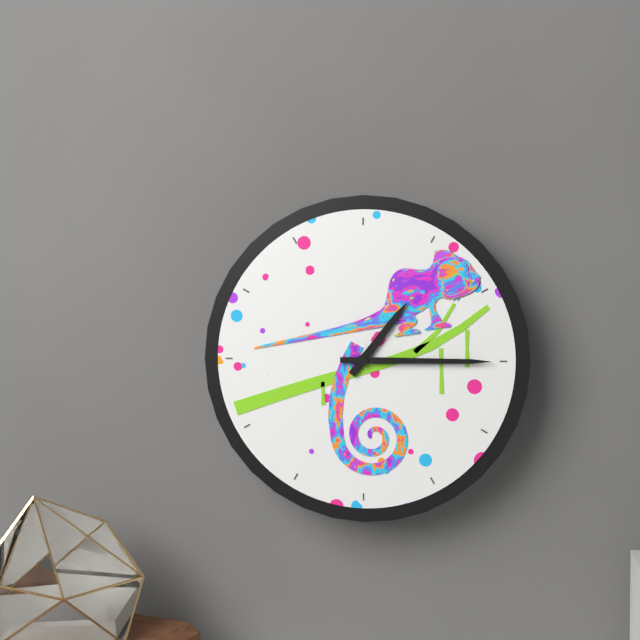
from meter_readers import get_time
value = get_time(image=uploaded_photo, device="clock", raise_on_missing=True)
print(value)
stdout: 1:15
